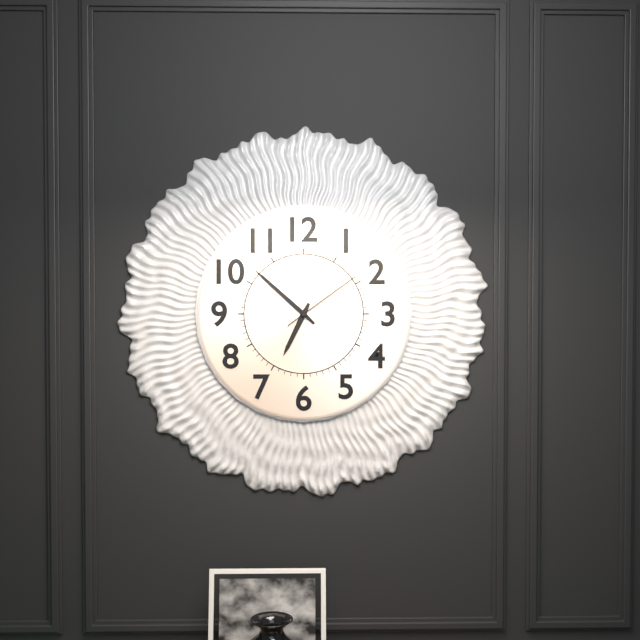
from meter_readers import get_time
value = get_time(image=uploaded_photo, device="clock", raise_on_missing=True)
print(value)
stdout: 6:52:09
